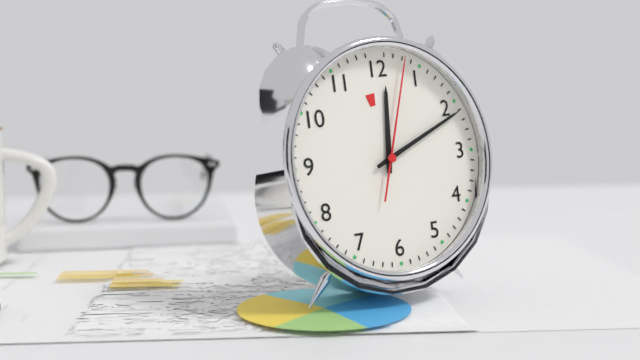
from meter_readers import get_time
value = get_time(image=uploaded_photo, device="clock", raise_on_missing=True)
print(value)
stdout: 12:11:03
